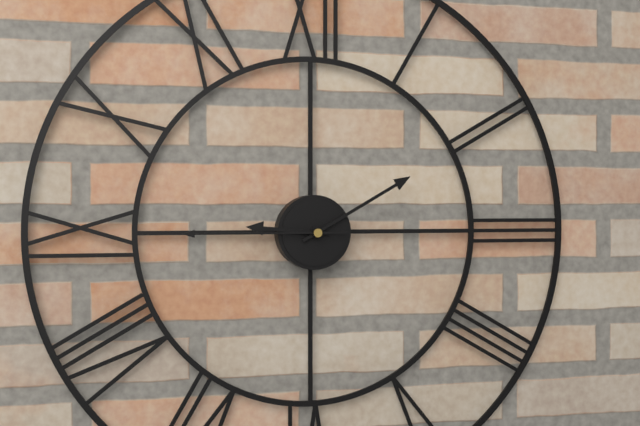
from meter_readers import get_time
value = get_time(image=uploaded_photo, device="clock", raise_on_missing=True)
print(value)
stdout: 9:10:45
